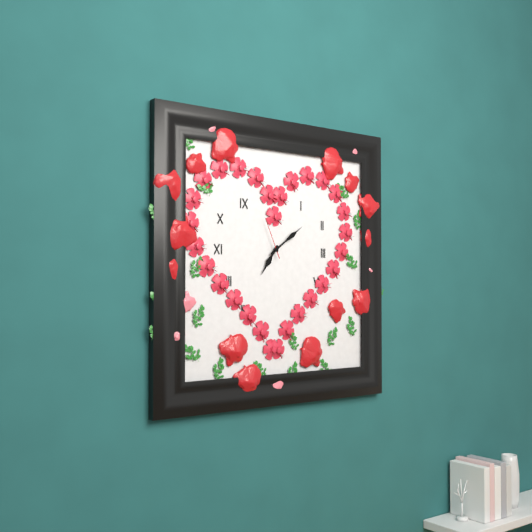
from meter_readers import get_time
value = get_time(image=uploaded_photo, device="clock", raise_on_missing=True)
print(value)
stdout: 7:09
